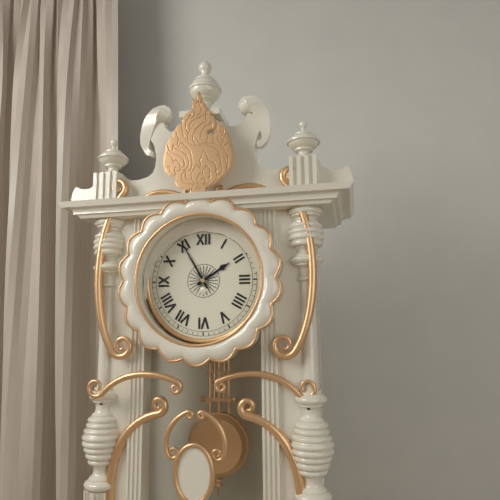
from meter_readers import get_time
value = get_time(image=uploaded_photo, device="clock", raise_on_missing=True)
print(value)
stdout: 1:55
